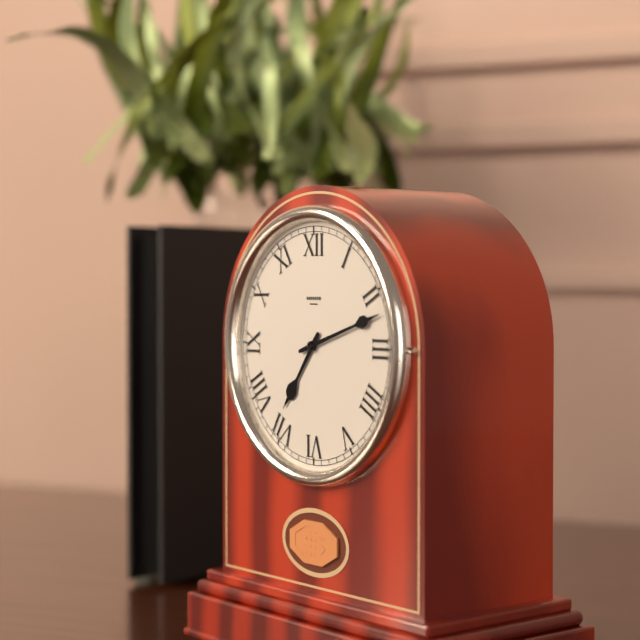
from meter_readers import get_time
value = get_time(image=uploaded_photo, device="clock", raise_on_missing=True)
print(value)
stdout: 7:12
